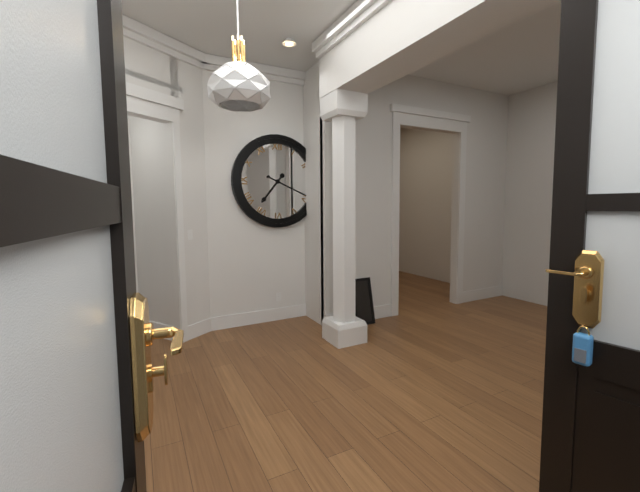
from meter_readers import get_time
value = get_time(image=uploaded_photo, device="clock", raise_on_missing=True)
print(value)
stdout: 7:19
